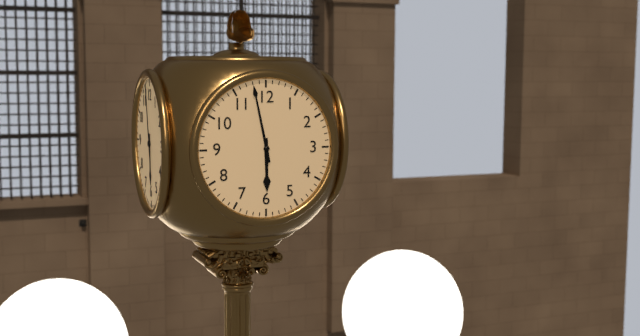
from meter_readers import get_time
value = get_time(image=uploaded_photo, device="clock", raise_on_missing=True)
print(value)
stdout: 5:58
